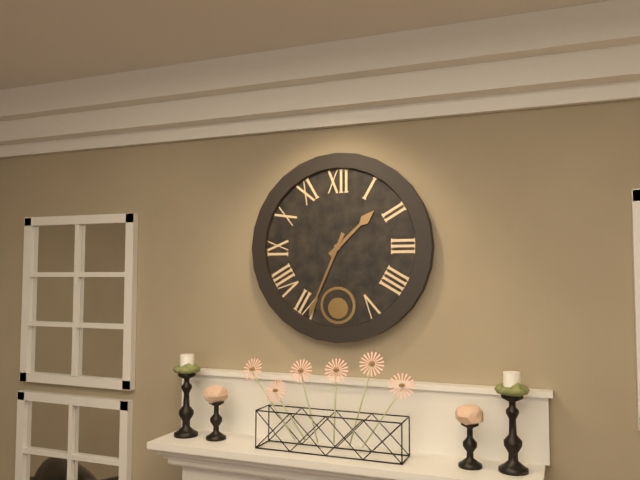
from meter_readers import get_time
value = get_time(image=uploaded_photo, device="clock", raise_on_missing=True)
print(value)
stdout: 1:34
